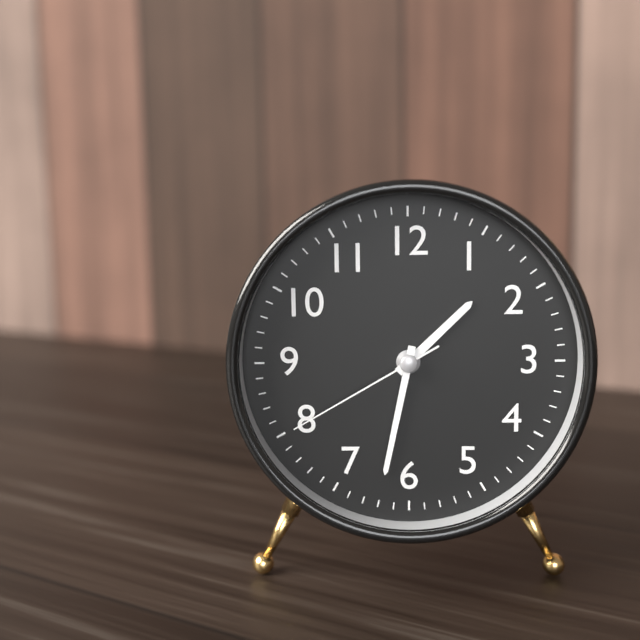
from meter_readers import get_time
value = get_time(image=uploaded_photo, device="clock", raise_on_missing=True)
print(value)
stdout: 1:32:40
